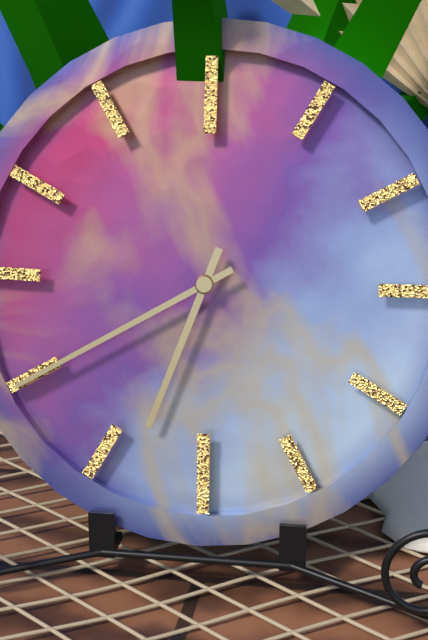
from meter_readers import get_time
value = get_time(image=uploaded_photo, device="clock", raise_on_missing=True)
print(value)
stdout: 6:40
